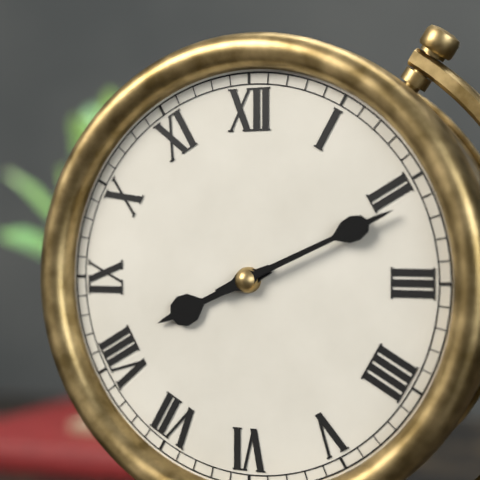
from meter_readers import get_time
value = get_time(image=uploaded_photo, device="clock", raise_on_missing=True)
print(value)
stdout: 8:11
